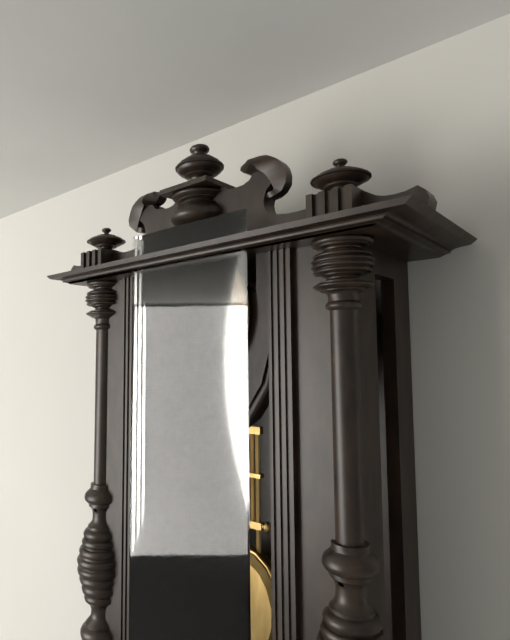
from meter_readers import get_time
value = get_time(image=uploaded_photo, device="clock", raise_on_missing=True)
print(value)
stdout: 1:06
